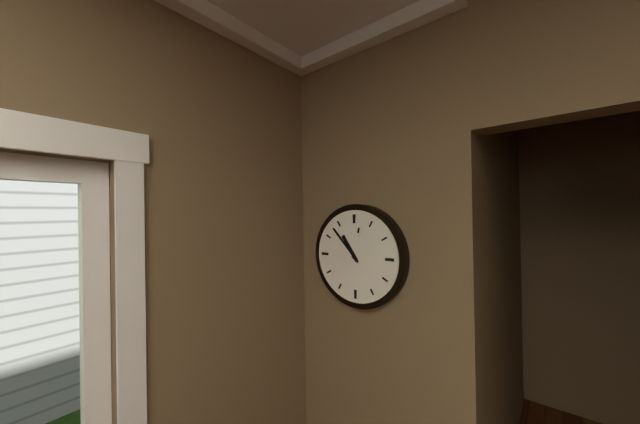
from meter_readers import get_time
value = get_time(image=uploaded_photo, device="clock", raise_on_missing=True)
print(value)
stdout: 10:53
